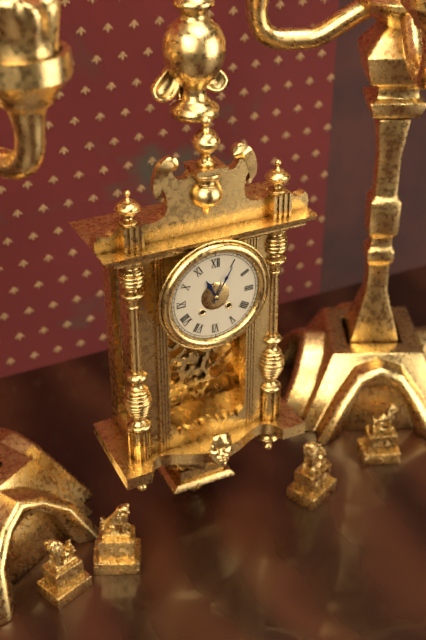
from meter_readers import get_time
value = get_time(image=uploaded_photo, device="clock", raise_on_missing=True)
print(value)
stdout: 11:05
